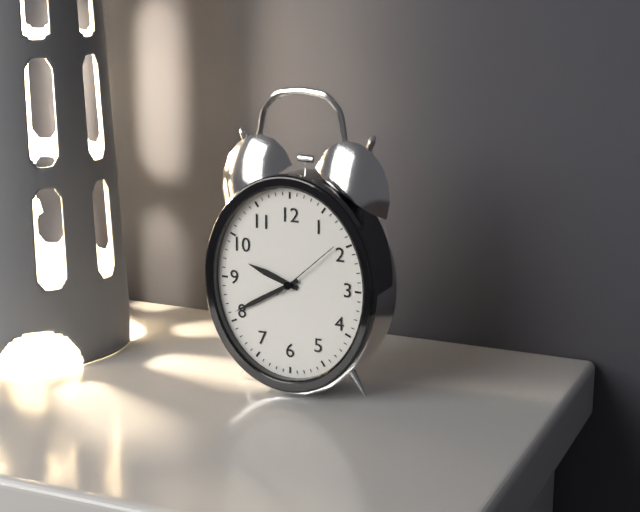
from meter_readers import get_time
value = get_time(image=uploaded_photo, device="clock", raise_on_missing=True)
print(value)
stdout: 9:40:08
